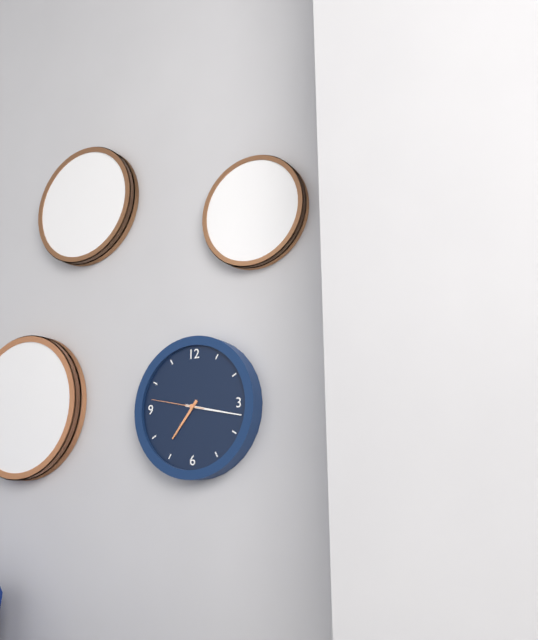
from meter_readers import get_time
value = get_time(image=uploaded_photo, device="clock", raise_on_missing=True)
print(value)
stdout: 7:17:47
